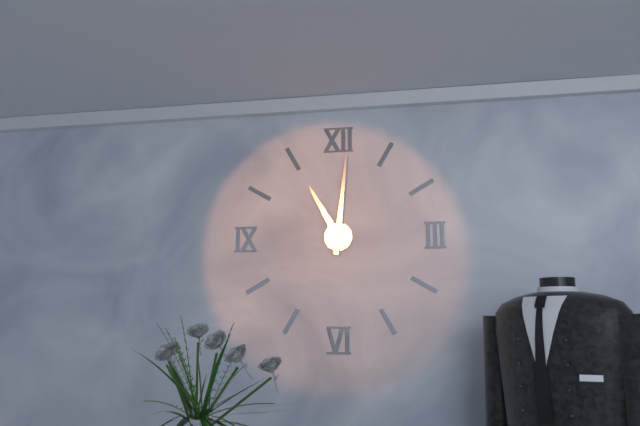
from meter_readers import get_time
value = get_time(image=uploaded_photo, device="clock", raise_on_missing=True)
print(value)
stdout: 11:01
